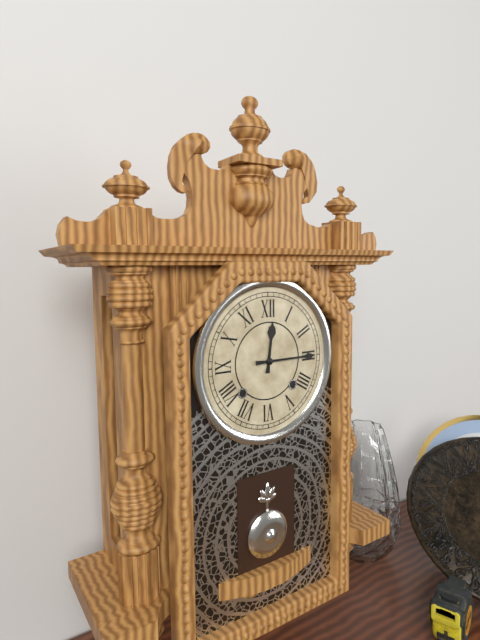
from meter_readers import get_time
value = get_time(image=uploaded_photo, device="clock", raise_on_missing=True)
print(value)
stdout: 12:15
